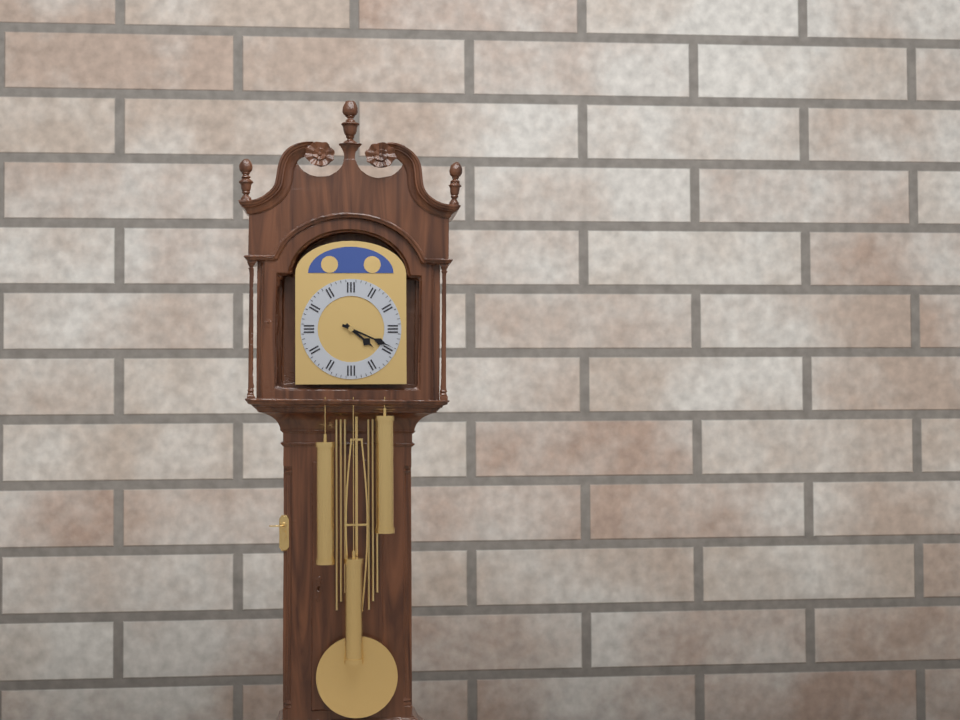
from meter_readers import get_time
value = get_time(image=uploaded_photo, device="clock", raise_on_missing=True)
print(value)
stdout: 4:19
